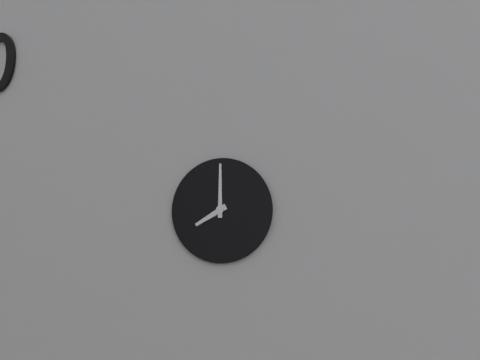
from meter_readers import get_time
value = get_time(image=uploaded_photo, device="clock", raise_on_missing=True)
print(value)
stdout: 8:00
